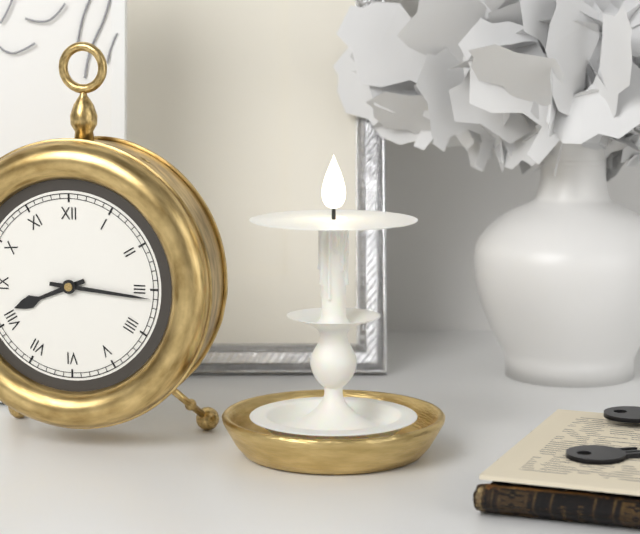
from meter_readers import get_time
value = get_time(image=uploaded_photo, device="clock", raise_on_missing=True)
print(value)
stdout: 8:16
